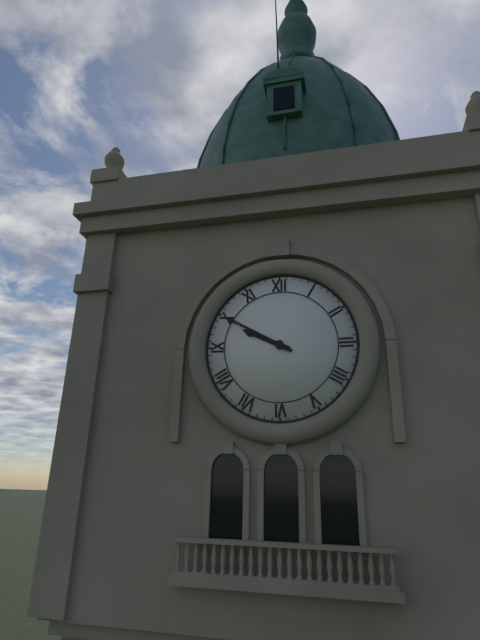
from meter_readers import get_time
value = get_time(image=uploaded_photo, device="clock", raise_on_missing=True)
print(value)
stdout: 9:50
